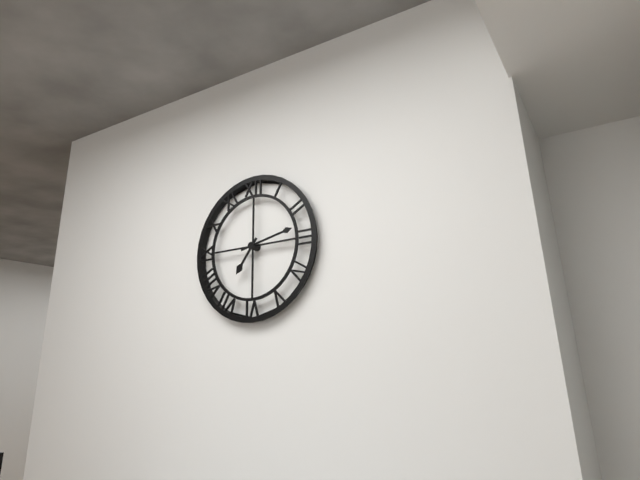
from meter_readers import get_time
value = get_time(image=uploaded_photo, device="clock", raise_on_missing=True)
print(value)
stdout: 7:13
